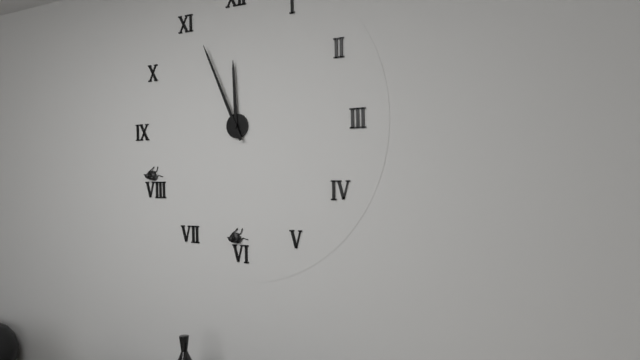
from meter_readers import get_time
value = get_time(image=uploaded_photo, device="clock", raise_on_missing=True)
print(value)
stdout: 11:56
